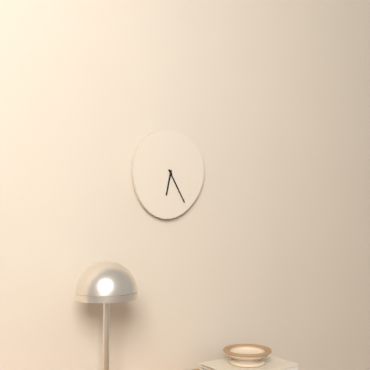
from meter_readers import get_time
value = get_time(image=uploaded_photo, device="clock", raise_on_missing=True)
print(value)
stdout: 6:25
